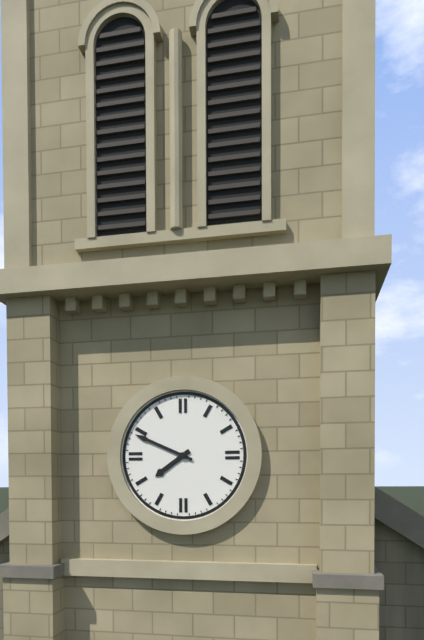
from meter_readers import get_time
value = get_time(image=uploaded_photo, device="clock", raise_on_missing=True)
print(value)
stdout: 7:49
